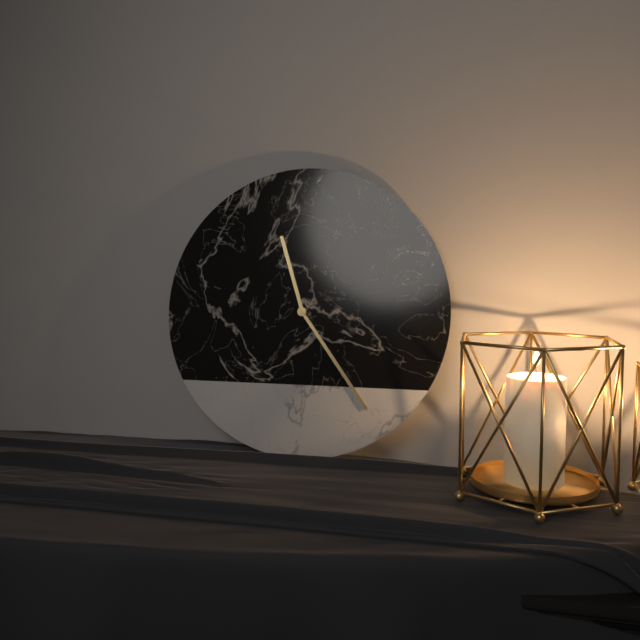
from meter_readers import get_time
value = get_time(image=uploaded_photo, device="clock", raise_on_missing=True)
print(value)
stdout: 11:24
